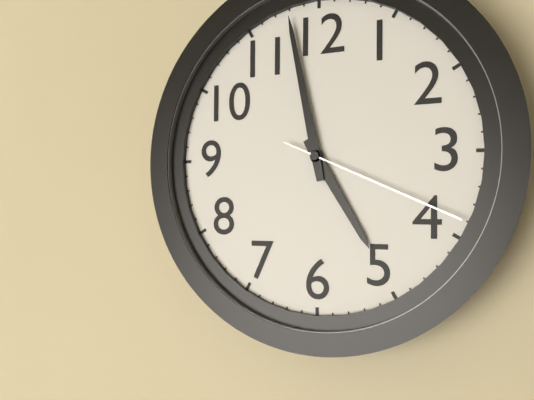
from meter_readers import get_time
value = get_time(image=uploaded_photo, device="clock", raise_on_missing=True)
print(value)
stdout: 4:58:19
